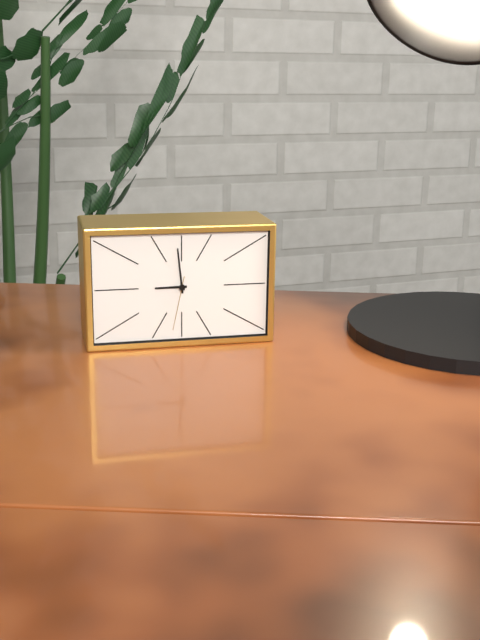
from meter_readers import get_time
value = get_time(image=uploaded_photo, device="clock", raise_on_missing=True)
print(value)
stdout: 8:59:32
